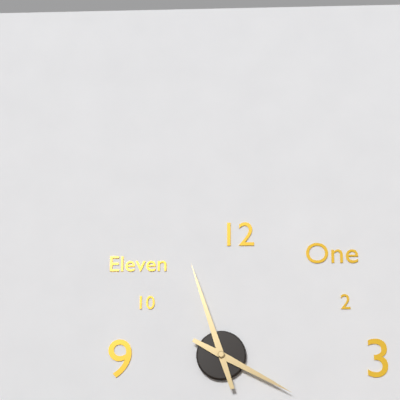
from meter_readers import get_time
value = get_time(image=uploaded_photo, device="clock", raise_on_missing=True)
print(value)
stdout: 3:57
